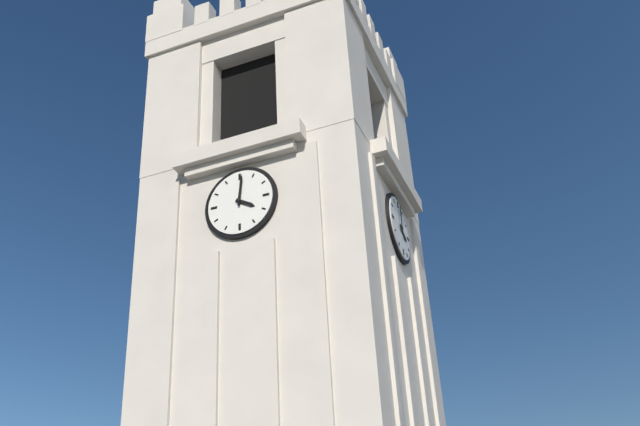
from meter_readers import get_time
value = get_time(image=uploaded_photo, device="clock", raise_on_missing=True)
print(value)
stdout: 4:01
